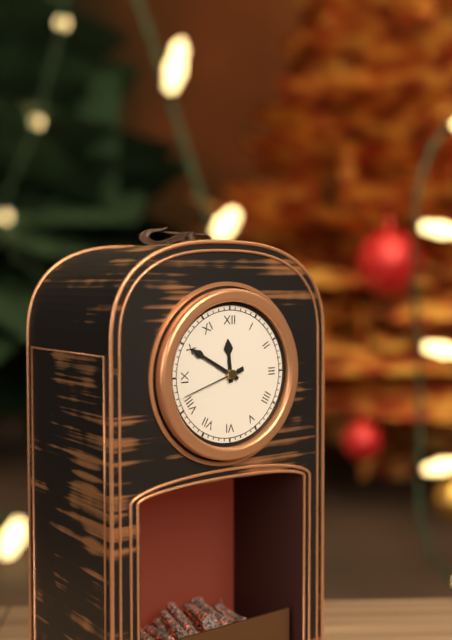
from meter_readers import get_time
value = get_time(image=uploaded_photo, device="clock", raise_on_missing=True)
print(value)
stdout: 11:50:42
